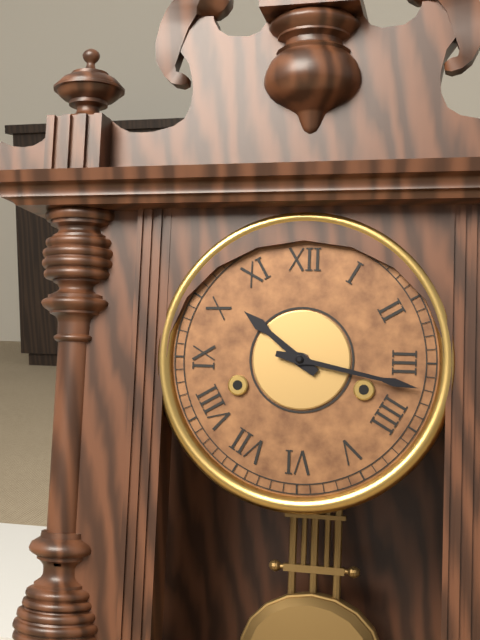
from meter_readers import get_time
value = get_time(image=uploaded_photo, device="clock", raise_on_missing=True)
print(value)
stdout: 10:17
